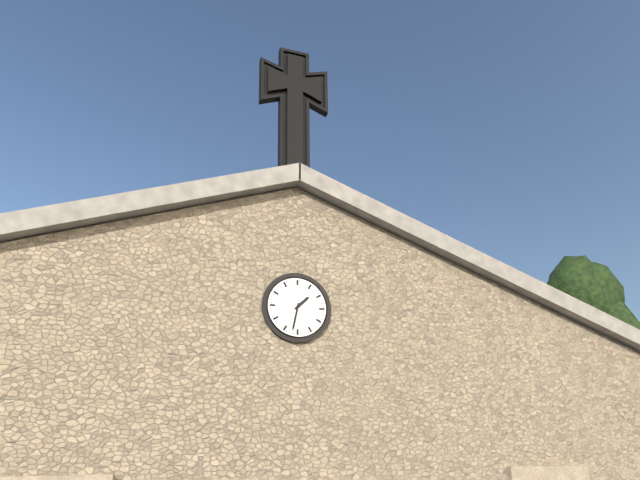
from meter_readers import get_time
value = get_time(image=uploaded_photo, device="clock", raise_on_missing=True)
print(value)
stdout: 1:32
